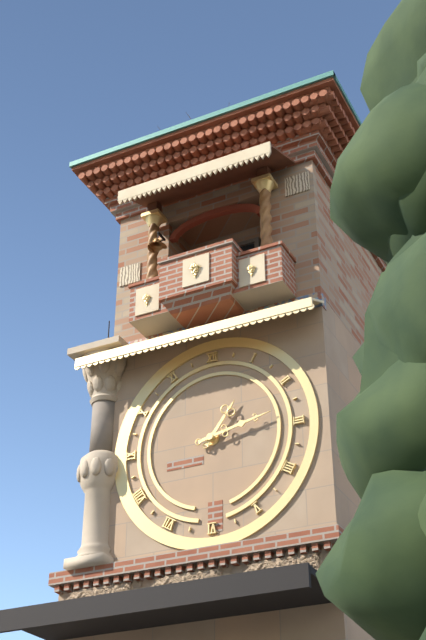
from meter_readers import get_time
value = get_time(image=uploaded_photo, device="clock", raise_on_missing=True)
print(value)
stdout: 1:13
